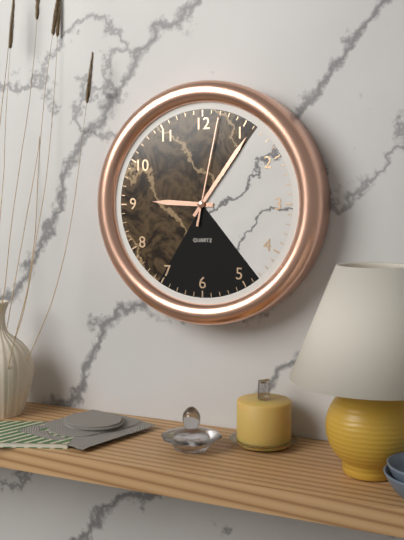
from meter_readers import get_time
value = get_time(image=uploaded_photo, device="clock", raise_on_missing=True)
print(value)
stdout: 9:06:02
